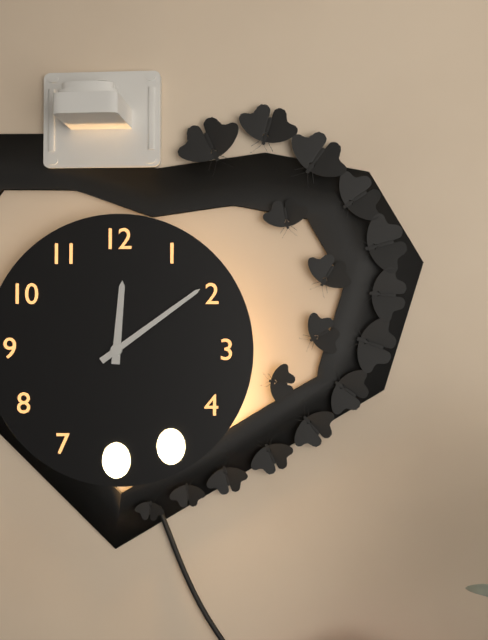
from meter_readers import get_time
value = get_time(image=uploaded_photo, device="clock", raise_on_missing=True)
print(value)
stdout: 12:09
